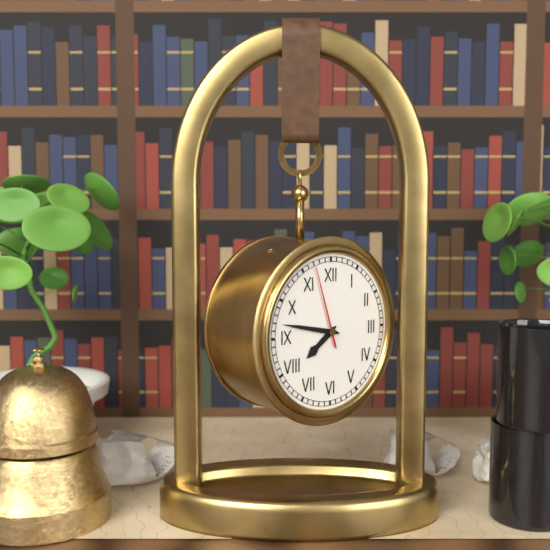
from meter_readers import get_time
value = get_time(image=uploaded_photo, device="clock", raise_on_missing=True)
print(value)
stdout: 7:47:57
